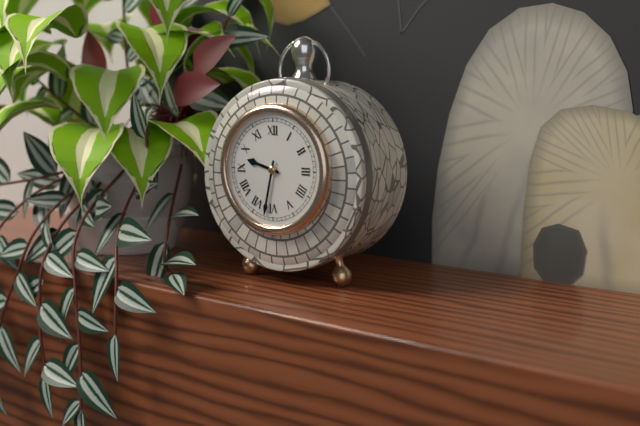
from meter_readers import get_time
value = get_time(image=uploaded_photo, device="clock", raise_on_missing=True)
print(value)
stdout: 9:32
